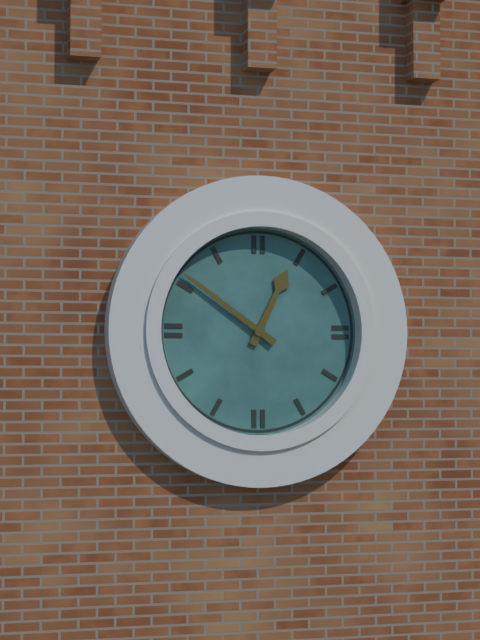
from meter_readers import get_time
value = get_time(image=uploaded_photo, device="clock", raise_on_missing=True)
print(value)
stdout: 12:51
